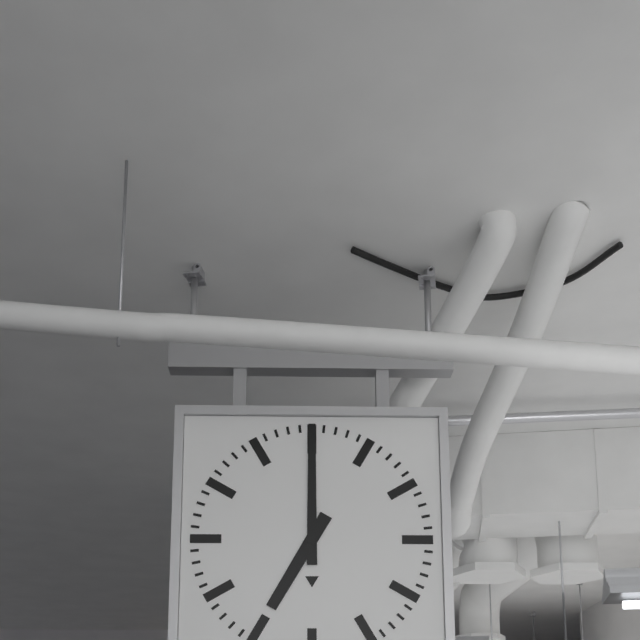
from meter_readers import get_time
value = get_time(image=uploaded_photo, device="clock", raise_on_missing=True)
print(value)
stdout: 7:00
